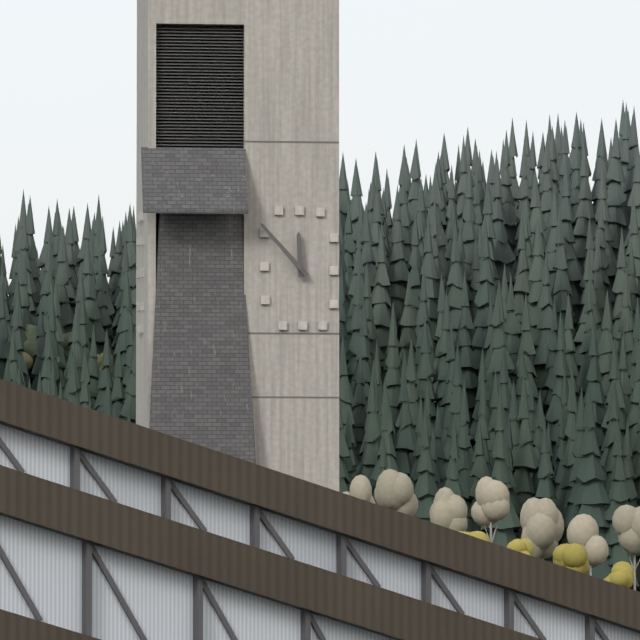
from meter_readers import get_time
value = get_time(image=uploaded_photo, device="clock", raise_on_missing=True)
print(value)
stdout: 11:53
